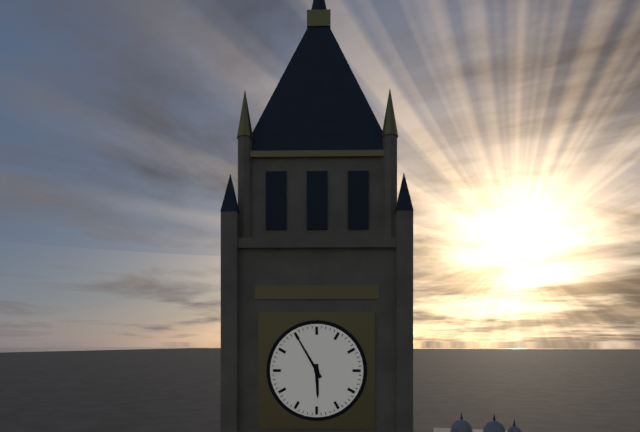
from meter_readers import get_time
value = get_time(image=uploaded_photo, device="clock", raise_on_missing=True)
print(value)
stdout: 5:55
